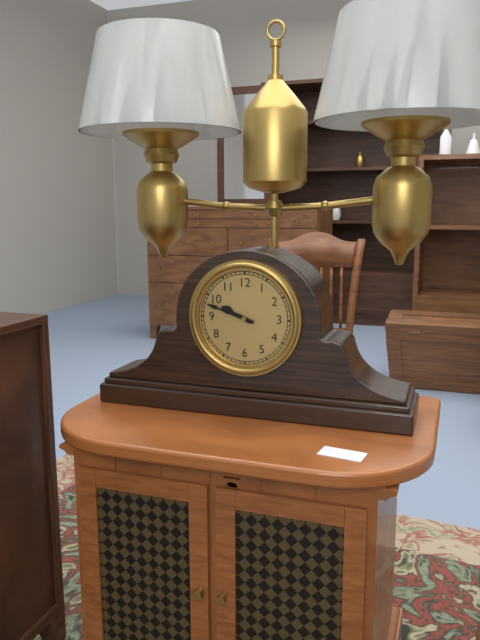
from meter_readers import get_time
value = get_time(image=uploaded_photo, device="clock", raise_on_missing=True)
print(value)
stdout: 9:48
